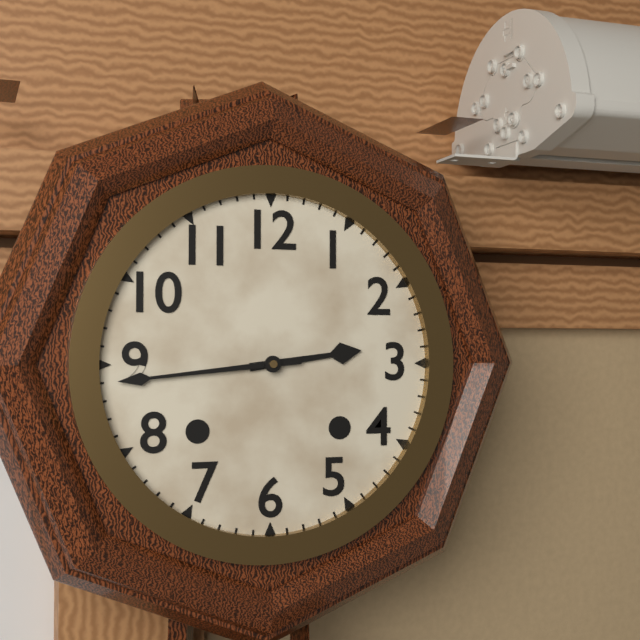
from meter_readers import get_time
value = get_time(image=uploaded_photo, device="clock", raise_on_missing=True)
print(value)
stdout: 2:44
